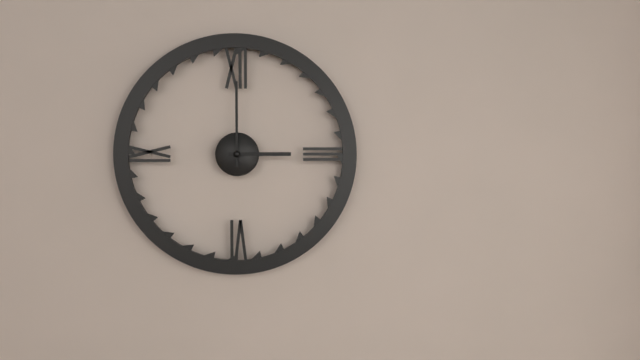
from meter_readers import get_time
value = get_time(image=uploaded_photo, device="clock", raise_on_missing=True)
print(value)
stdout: 3:00
